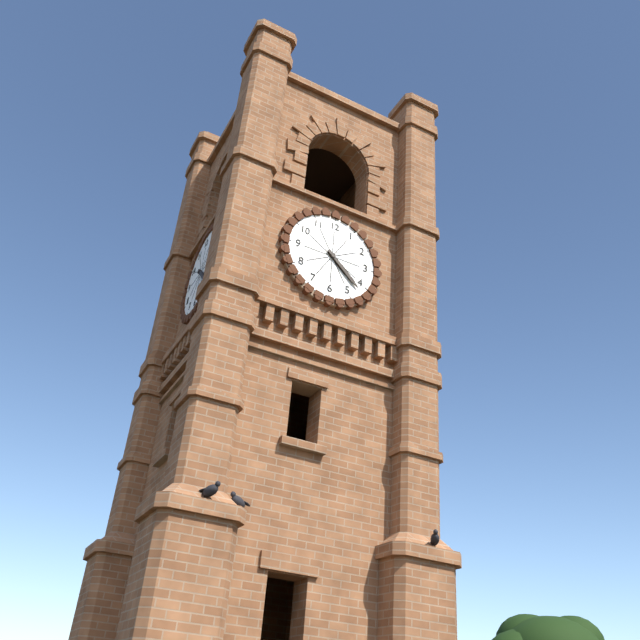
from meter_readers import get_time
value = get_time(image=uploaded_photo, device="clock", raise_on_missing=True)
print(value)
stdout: 4:22
